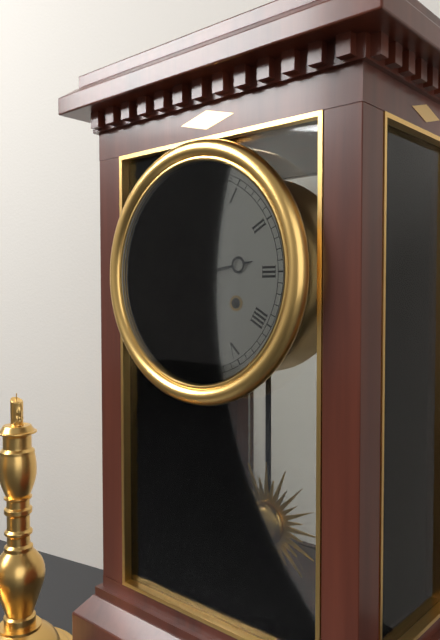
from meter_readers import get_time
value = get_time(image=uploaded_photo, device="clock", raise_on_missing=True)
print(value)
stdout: 2:43
